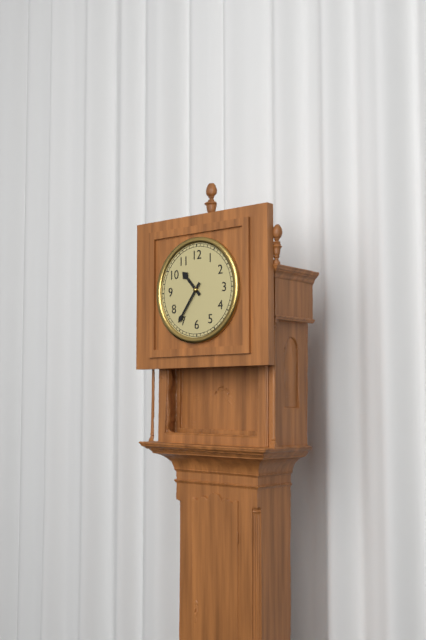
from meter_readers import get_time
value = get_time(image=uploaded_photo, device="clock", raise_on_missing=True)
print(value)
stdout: 10:36
